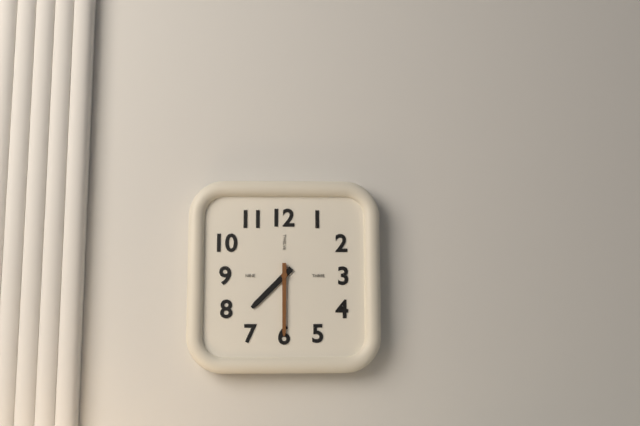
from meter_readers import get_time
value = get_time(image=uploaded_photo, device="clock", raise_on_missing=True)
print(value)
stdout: 7:30
